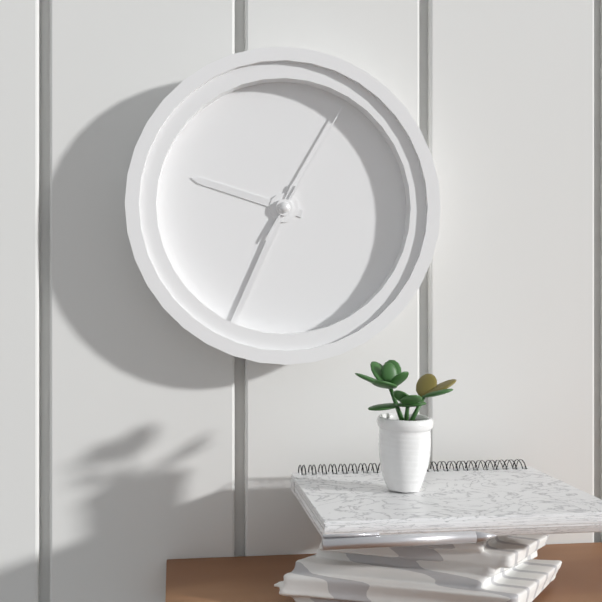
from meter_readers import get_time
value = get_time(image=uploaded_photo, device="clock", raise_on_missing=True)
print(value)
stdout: 9:34:05
